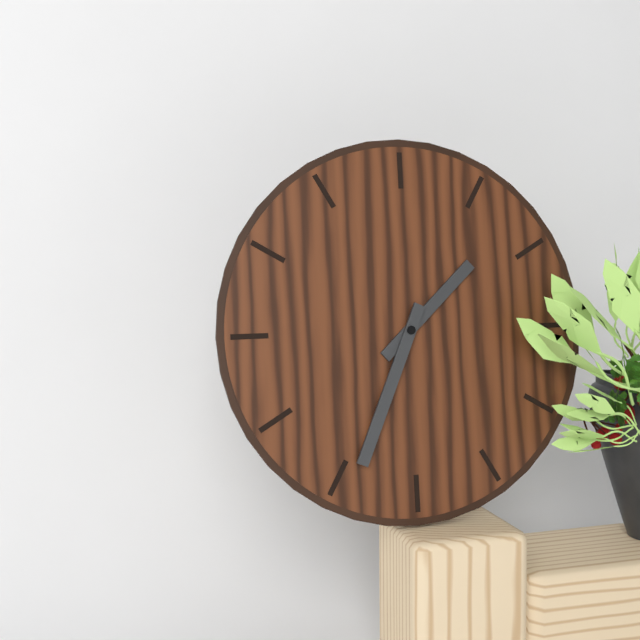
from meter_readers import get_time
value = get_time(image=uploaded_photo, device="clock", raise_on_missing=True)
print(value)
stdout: 1:34
